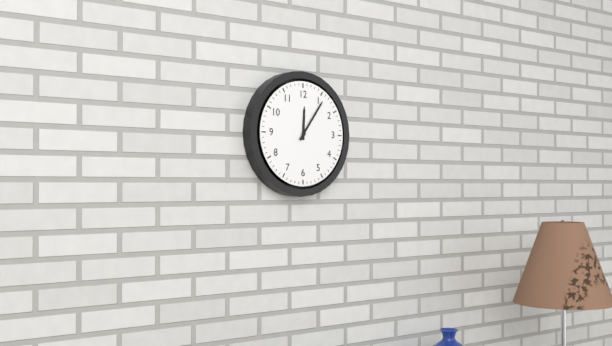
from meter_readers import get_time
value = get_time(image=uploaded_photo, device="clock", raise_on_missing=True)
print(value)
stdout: 12:06
